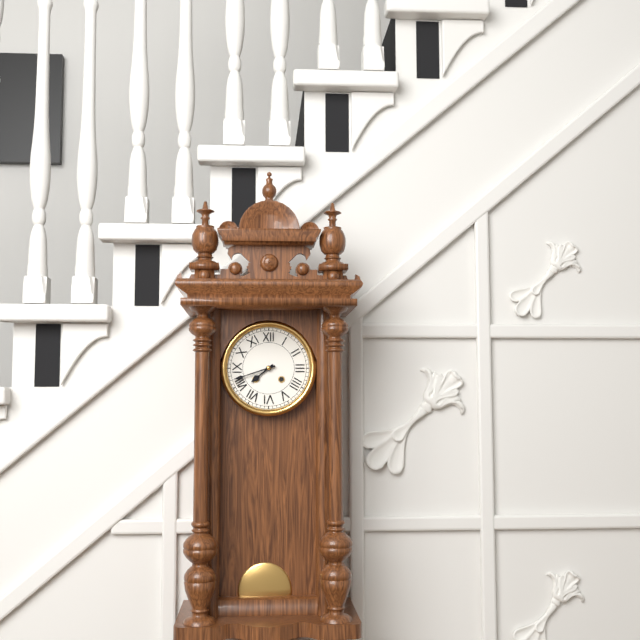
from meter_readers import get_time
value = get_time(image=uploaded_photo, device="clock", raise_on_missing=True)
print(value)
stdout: 7:42
